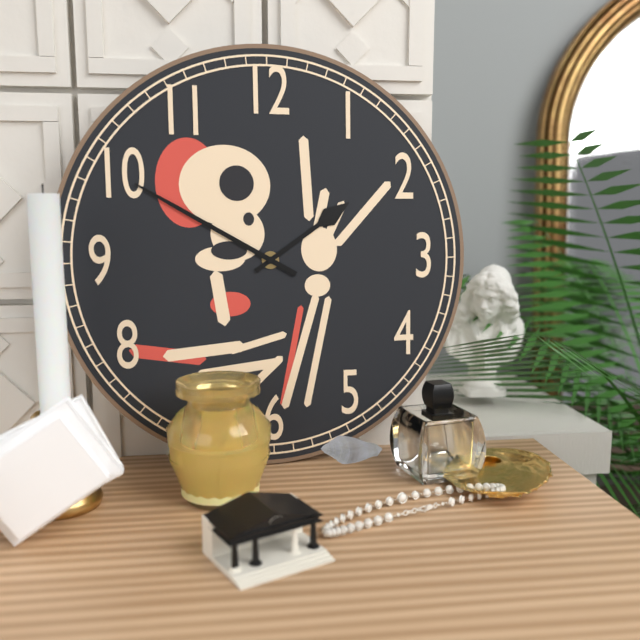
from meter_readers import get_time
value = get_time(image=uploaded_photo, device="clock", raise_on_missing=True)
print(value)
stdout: 1:50
